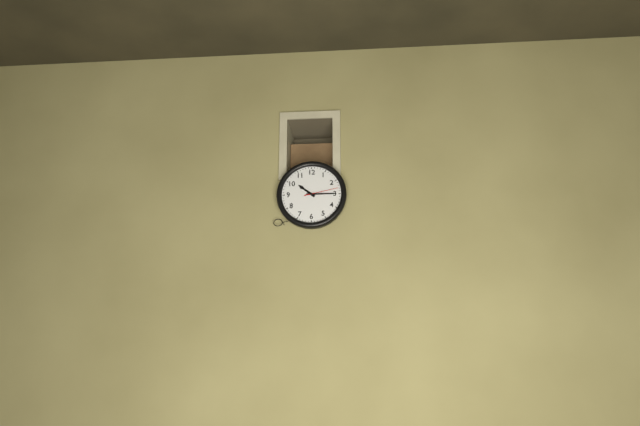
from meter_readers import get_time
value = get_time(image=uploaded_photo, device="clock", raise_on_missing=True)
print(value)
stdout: 10:15
